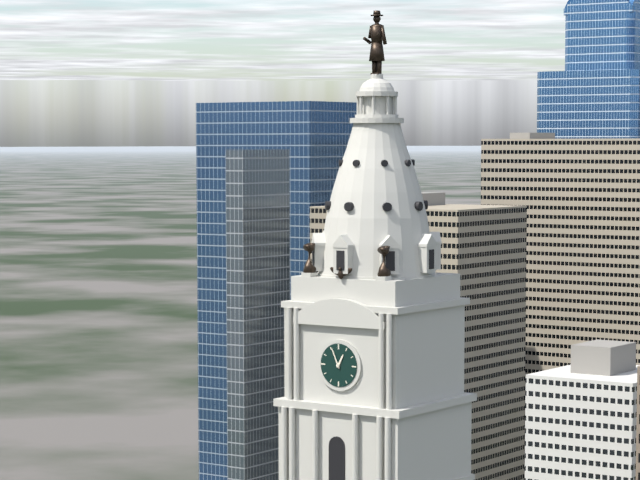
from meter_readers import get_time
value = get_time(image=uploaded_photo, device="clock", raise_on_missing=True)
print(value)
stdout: 12:56
